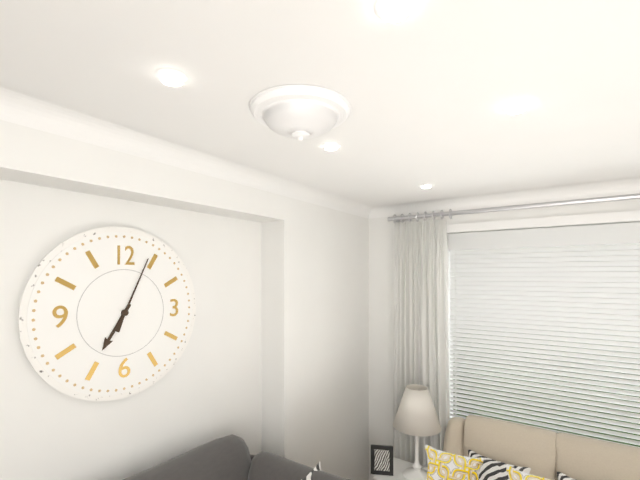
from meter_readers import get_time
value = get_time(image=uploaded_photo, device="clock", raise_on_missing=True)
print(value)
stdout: 7:04
